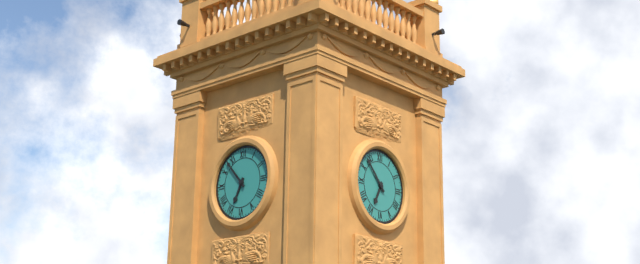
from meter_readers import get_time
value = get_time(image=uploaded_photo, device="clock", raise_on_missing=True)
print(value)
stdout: 6:53
